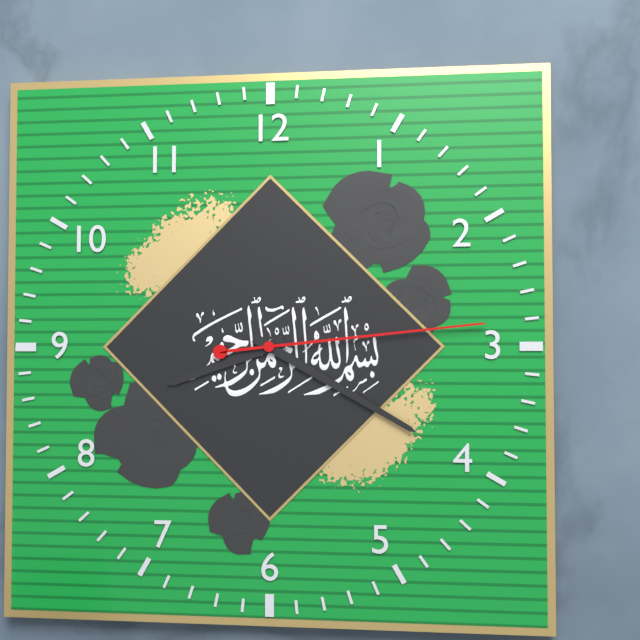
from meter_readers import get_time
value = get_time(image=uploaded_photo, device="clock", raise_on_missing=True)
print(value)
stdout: 8:20:14
